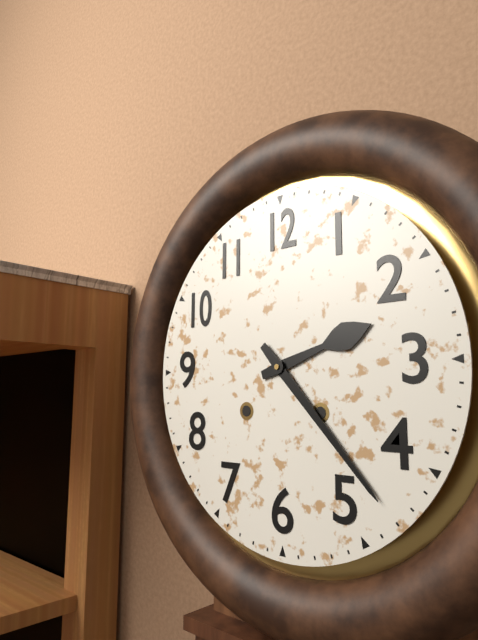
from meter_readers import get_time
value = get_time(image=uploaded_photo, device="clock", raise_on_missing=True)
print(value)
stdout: 2:23
